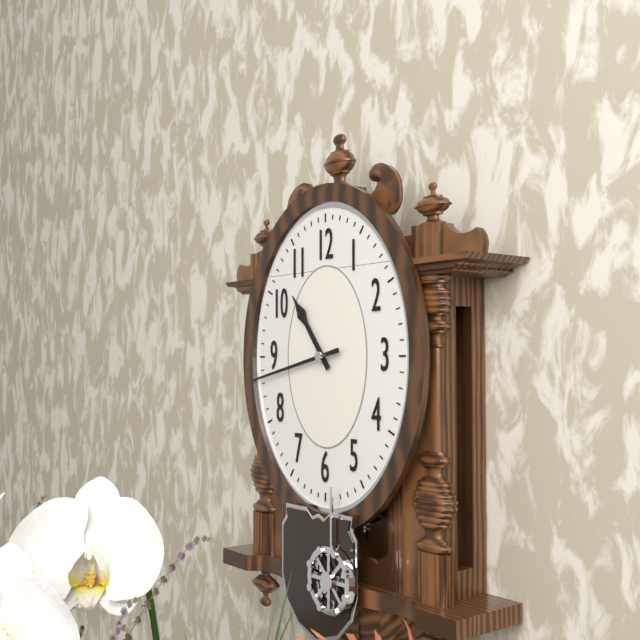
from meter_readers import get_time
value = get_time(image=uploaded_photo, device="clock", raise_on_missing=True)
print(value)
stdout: 10:43
